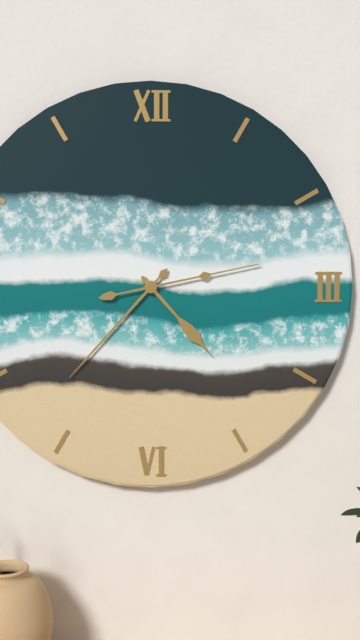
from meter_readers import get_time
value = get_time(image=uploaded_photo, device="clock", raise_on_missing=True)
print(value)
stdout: 4:37:13
